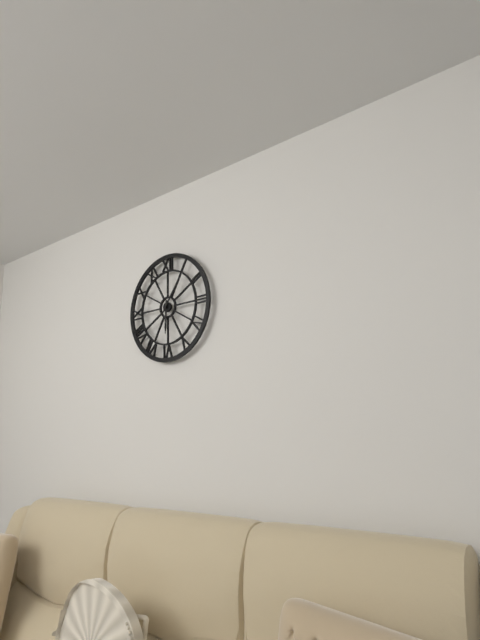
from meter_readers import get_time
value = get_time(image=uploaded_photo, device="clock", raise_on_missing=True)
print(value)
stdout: 6:06
